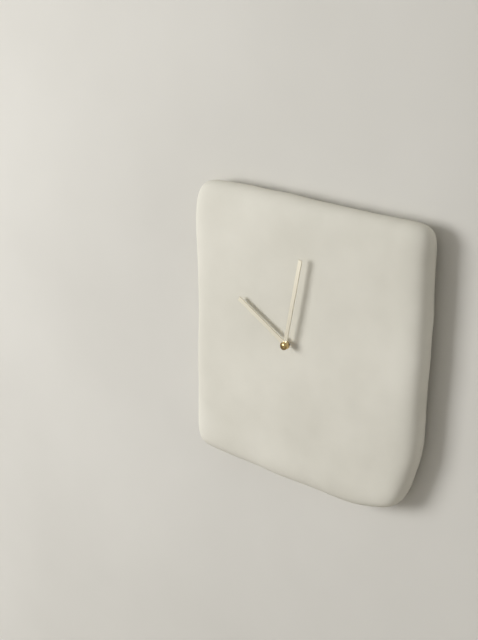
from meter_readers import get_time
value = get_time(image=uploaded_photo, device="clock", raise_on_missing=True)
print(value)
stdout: 10:02
